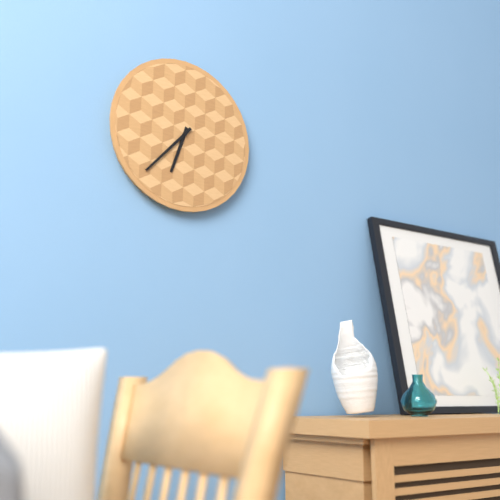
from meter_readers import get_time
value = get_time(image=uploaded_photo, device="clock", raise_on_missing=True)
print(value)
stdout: 6:37
